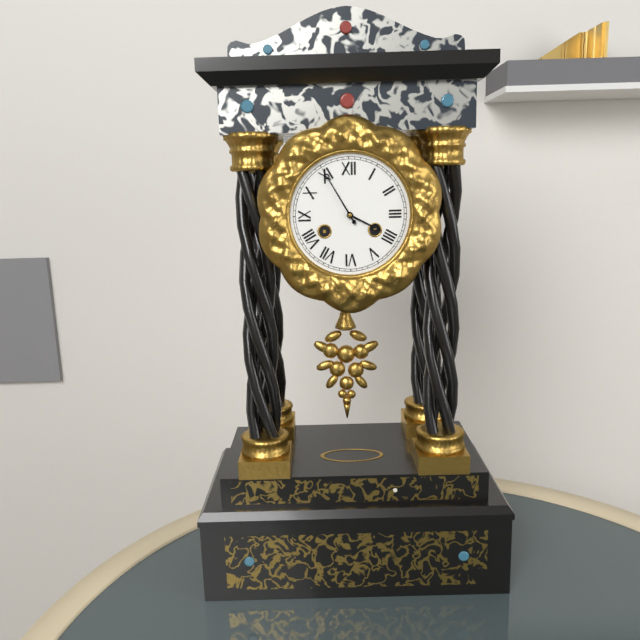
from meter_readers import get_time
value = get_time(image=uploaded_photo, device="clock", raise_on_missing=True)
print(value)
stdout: 3:55
